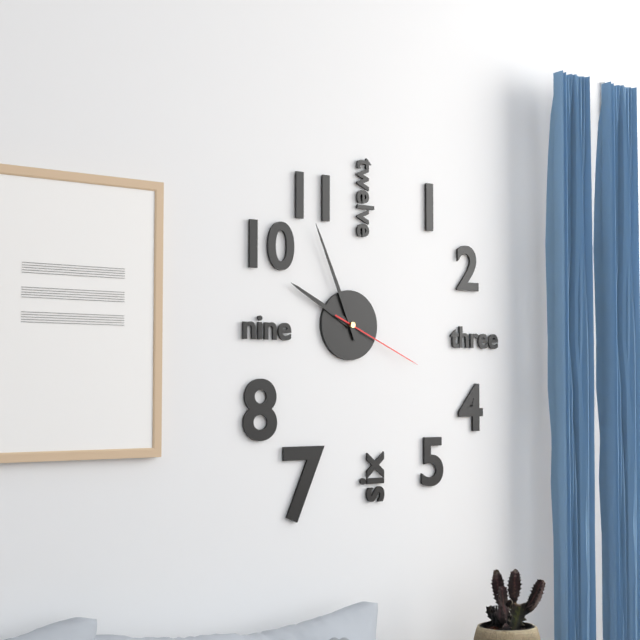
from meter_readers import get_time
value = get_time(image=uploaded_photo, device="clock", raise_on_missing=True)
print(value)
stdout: 9:56:19
